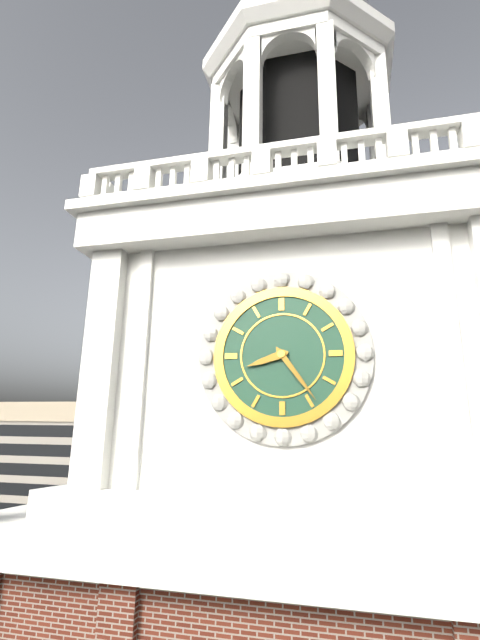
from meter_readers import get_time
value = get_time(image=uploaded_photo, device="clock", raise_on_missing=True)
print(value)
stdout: 8:24
